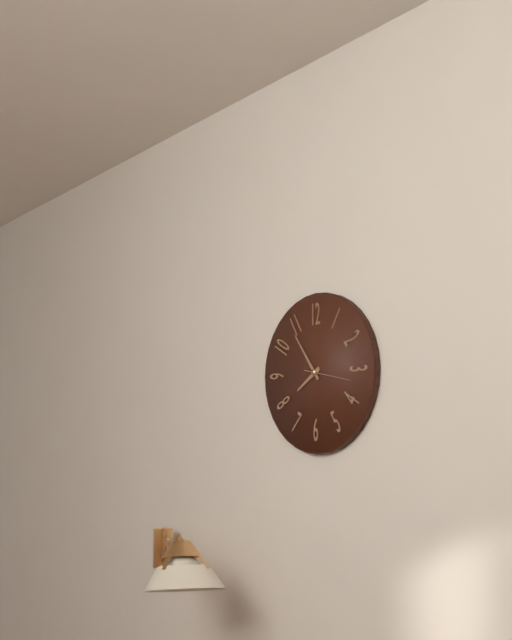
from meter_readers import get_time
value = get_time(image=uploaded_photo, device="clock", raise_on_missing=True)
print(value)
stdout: 7:54
